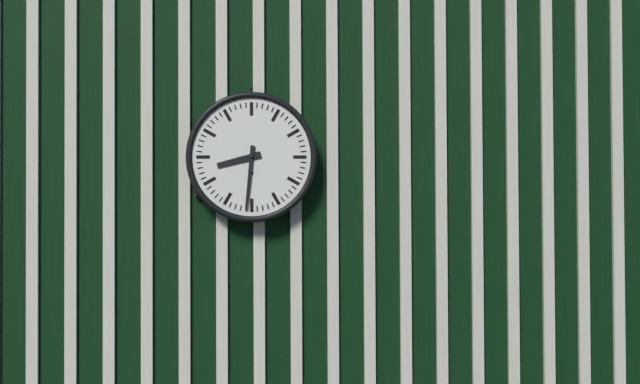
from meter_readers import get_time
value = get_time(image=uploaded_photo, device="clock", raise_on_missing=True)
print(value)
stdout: 8:31
